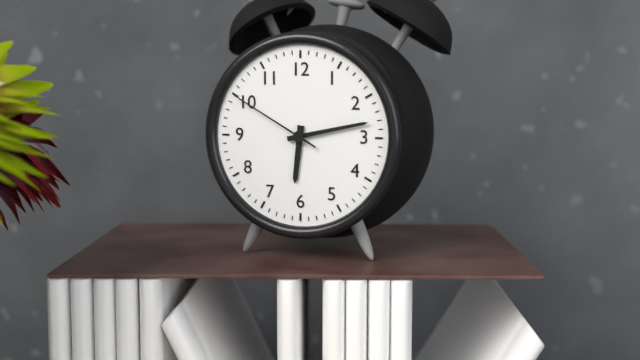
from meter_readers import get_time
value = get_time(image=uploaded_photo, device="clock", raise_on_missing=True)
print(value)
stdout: 6:13:50
